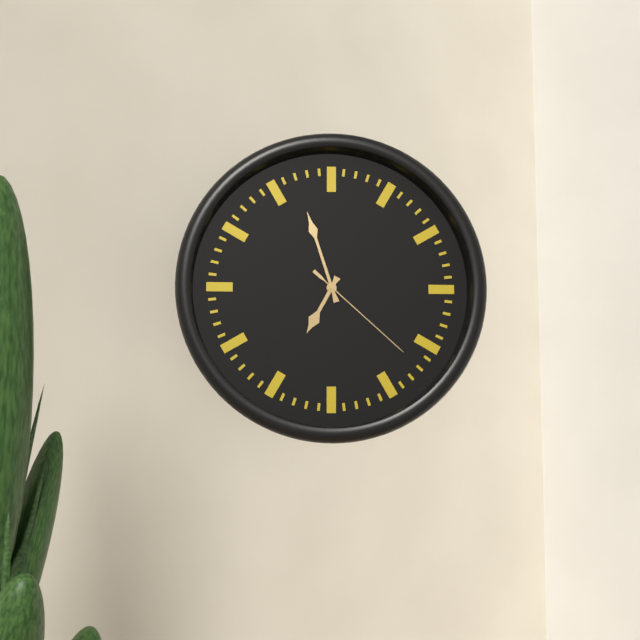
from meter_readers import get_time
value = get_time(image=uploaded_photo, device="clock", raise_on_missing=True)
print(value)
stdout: 6:57:22
